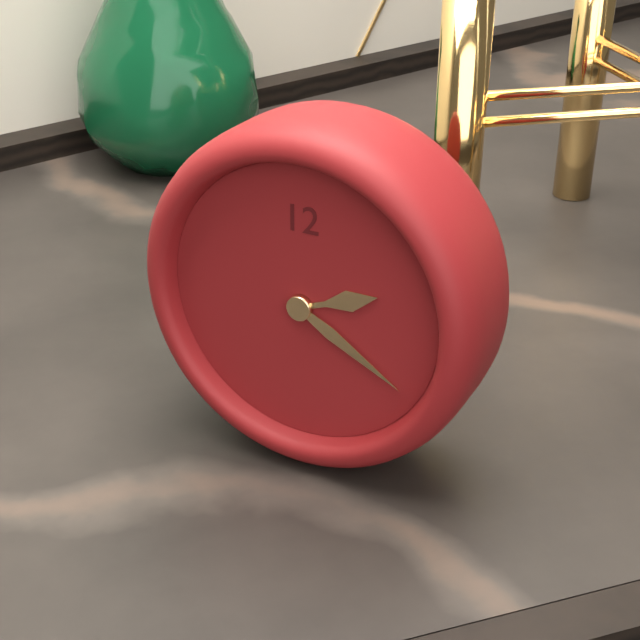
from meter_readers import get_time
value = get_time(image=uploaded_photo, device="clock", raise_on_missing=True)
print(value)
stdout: 2:20
